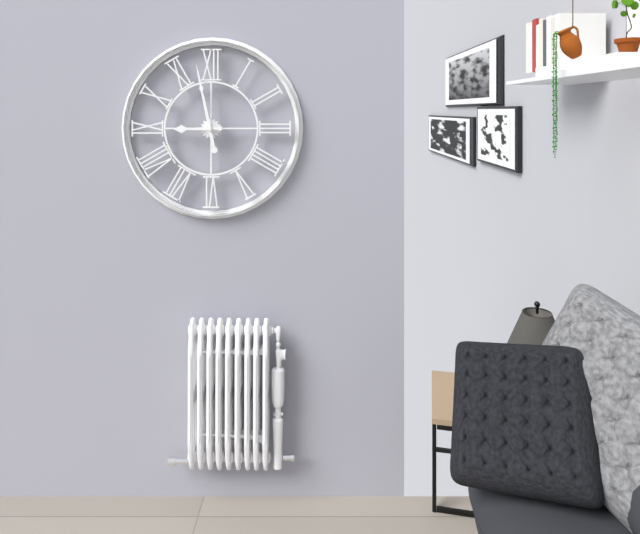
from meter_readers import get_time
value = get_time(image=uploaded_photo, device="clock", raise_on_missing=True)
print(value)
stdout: 8:58
